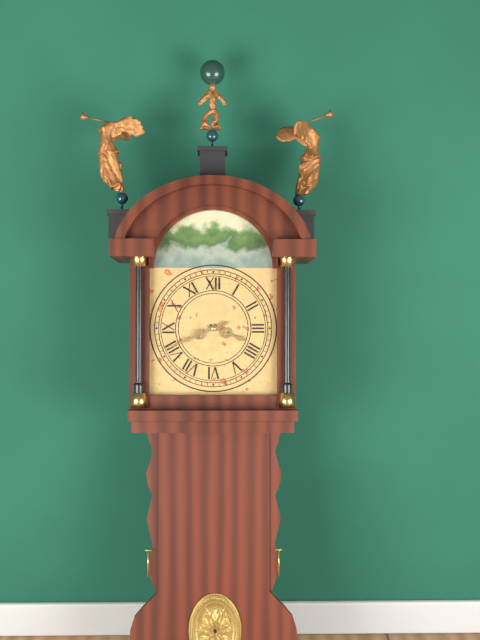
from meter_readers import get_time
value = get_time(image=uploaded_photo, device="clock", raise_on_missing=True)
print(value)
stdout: 3:41
